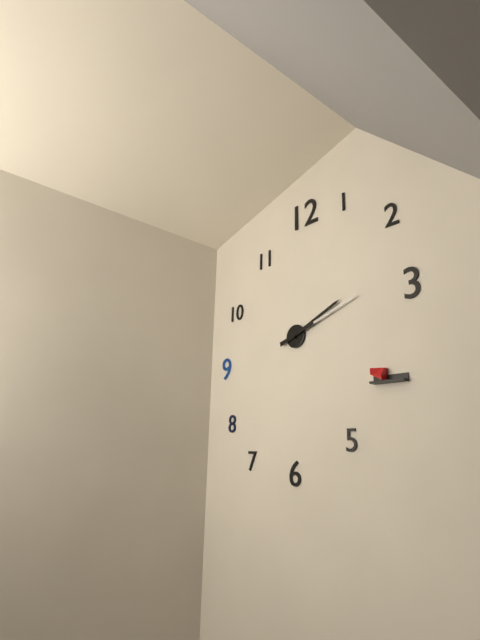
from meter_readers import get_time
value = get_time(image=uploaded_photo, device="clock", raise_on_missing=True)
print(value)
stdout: 2:12
